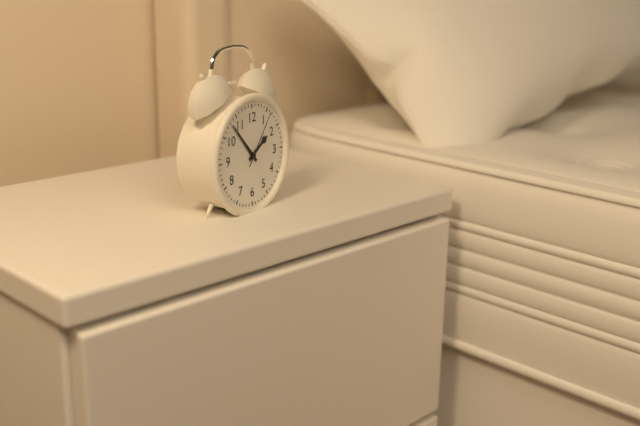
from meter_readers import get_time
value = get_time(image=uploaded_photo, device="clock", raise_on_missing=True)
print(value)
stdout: 1:53:06
